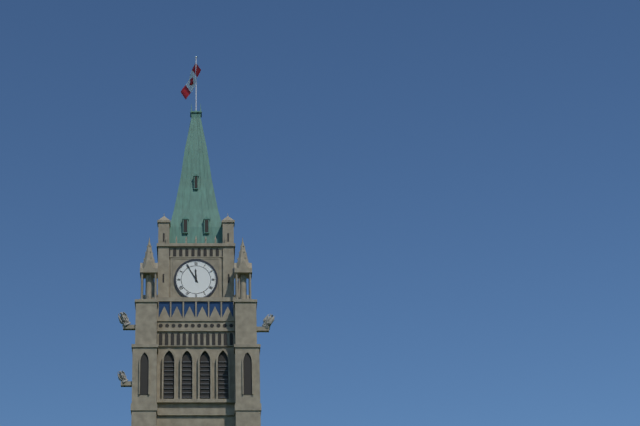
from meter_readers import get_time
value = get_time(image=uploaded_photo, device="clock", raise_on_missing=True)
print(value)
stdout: 11:55
